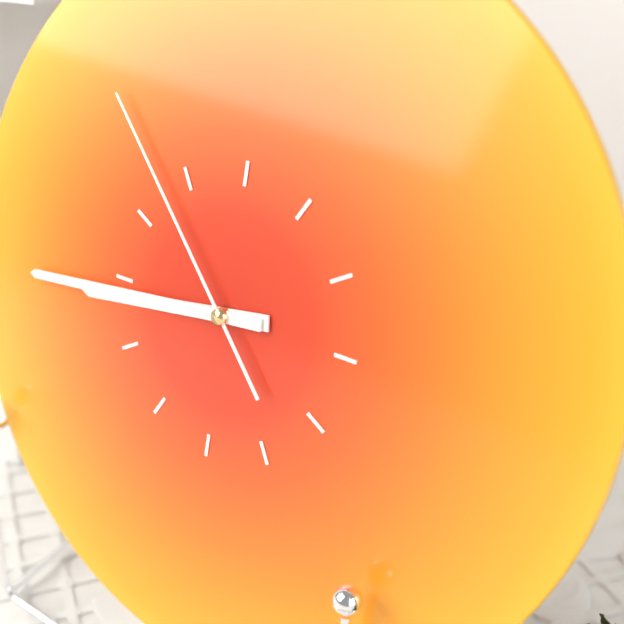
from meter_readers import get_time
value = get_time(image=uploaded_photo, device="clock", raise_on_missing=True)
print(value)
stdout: 8:44:53
